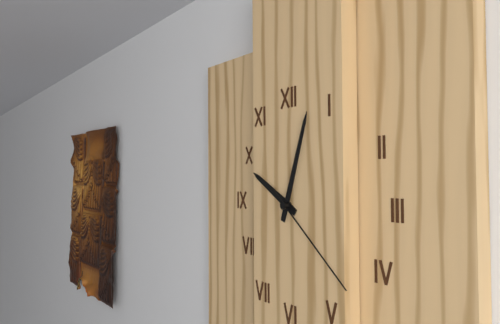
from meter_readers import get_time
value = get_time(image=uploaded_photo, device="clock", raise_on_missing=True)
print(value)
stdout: 10:03:22
